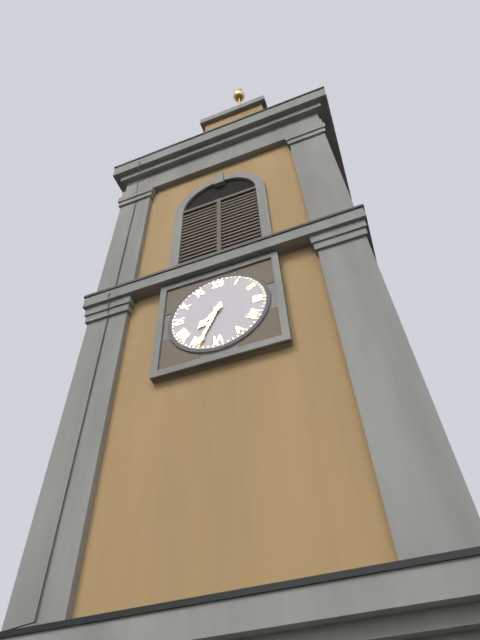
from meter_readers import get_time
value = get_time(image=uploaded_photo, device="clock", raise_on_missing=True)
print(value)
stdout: 7:34
